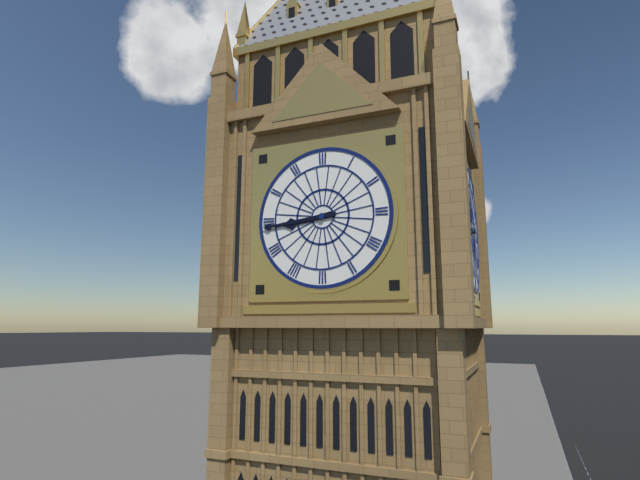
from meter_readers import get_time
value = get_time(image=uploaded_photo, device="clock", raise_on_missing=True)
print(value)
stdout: 8:44
